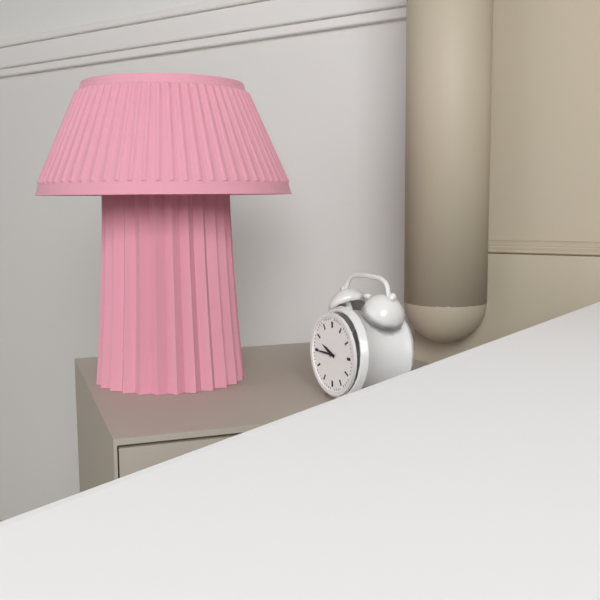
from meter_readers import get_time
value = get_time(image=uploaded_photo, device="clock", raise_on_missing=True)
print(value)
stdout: 9:45
